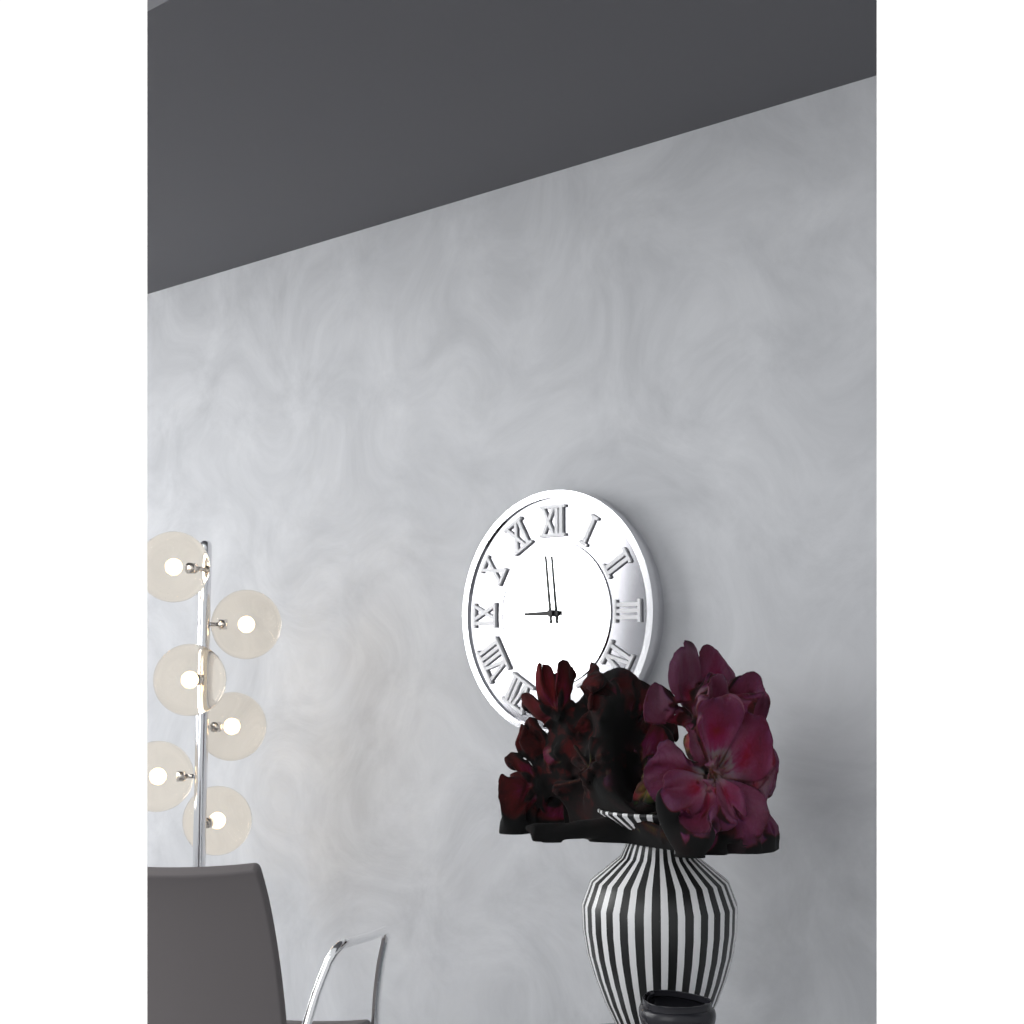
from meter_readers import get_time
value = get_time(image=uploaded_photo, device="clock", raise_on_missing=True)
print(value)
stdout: 8:59
